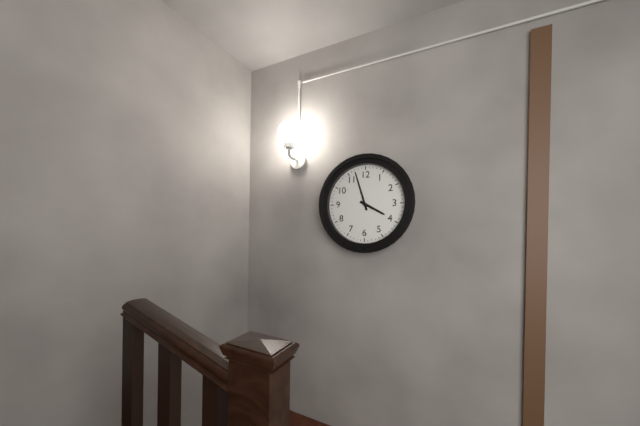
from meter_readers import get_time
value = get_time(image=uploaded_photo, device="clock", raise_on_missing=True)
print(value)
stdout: 3:57
